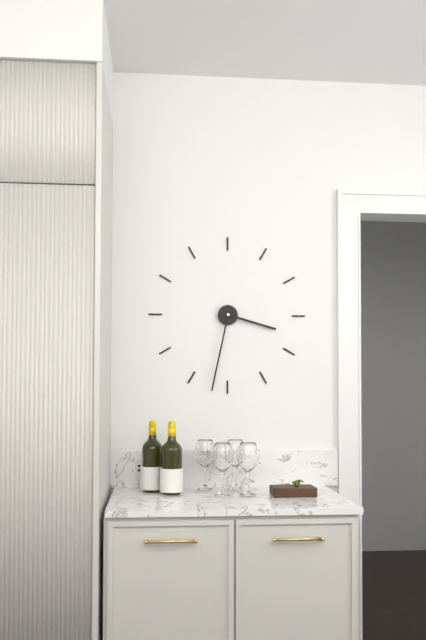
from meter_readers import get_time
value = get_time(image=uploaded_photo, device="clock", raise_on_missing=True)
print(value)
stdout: 3:32
